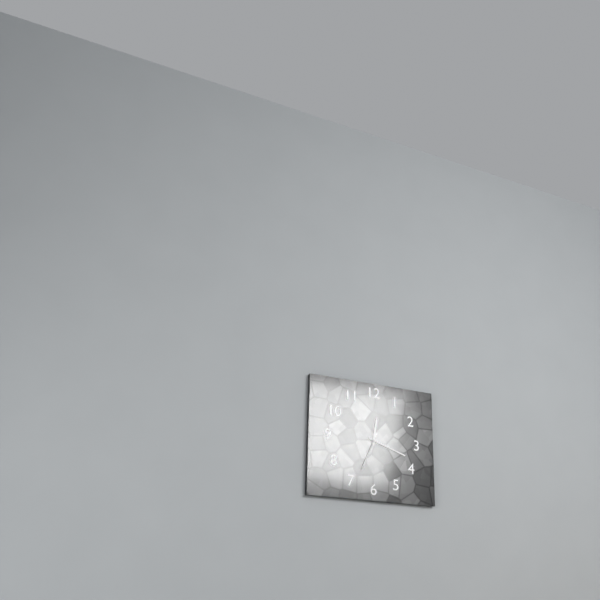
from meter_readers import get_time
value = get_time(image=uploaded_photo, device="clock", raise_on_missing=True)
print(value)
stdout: 12:18
